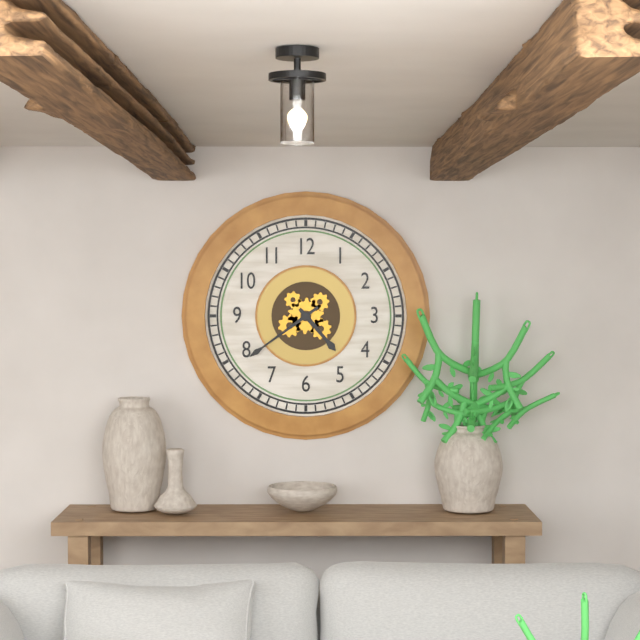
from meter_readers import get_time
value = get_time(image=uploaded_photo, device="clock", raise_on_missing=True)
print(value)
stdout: 4:39
